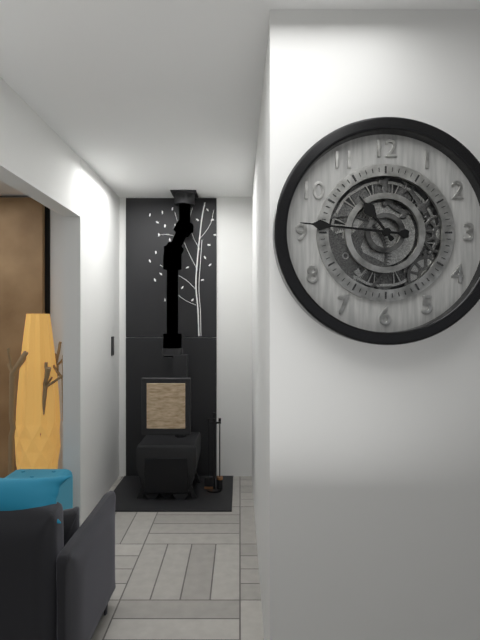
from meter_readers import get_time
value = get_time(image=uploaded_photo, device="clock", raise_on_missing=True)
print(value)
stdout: 10:46
